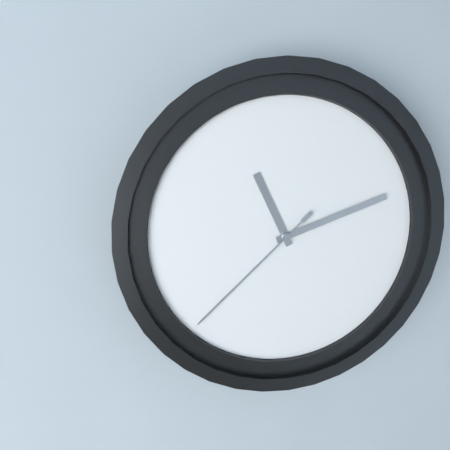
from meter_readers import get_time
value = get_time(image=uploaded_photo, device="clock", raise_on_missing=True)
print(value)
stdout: 11:12:38
